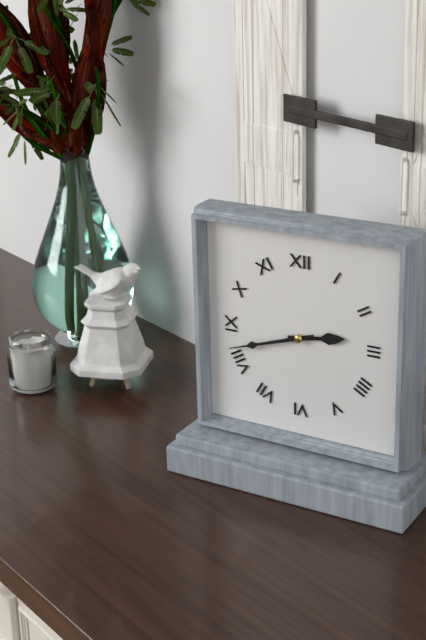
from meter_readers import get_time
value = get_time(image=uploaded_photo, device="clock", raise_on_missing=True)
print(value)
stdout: 2:42
